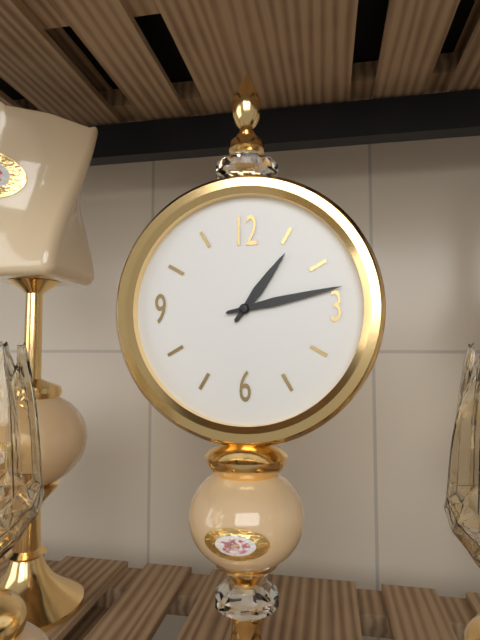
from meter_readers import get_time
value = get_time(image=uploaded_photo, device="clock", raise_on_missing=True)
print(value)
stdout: 1:13
